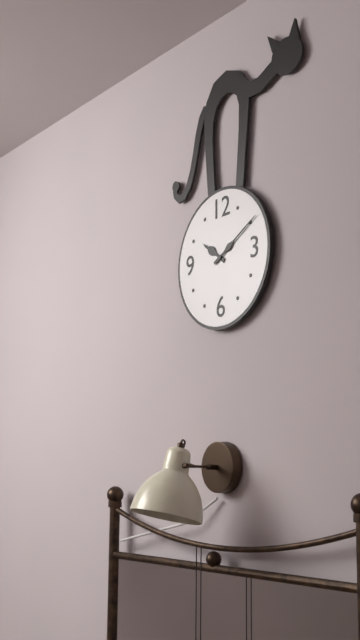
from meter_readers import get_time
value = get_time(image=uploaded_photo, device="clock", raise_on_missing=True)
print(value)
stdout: 10:10
